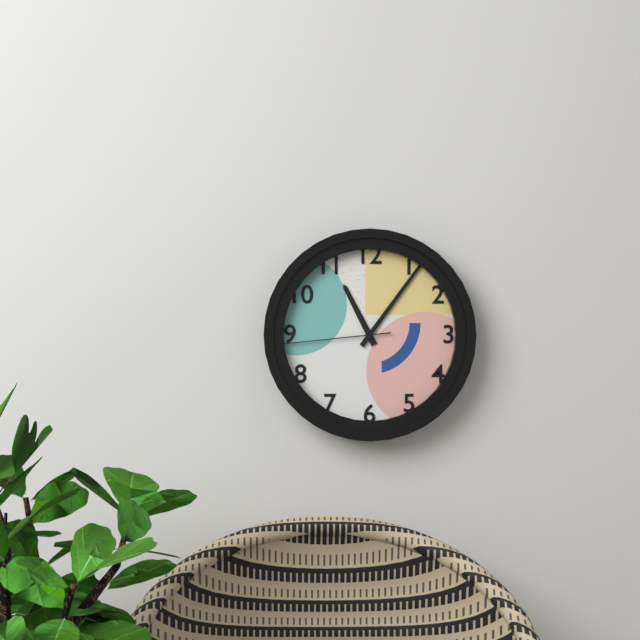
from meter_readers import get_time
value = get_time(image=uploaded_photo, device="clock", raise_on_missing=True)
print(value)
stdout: 11:06:44
